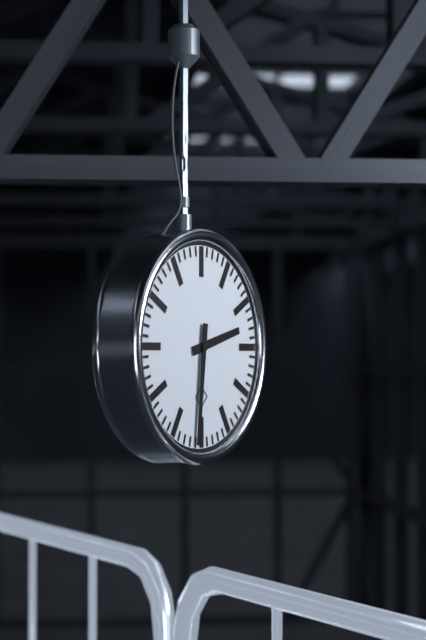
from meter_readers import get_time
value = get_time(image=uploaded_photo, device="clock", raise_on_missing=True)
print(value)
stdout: 2:31
